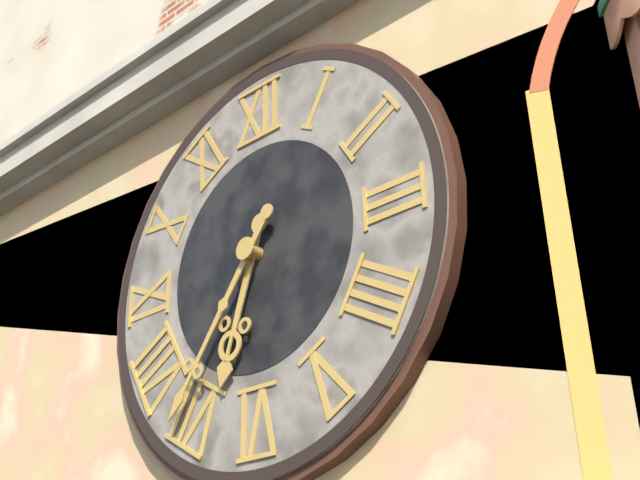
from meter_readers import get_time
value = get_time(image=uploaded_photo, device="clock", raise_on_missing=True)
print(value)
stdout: 6:36
